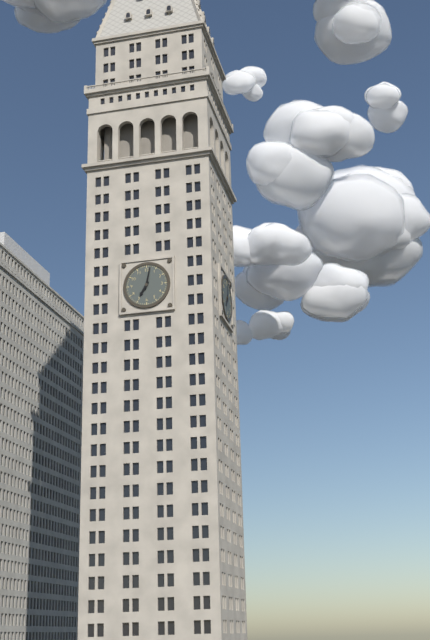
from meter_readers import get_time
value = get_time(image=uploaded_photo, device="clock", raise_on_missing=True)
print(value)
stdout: 7:02
